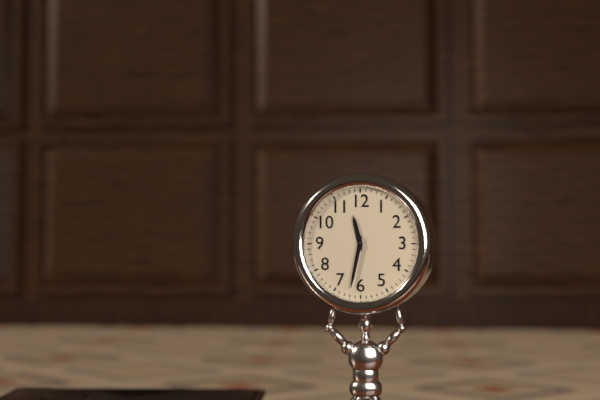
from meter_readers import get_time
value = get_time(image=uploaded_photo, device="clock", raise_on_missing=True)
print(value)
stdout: 11:32
